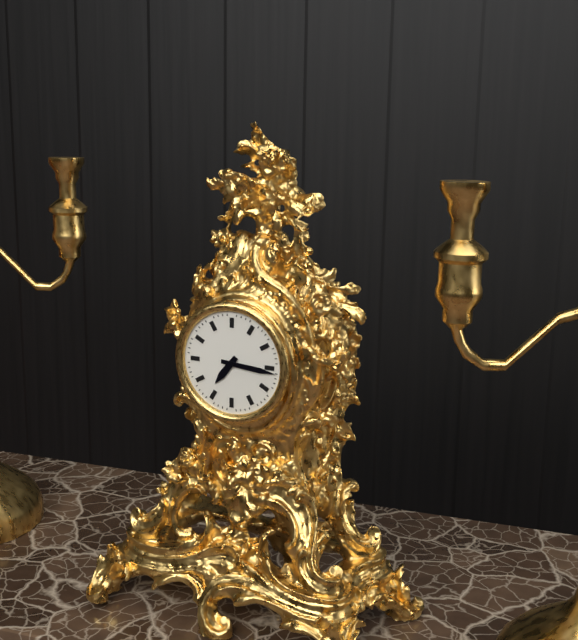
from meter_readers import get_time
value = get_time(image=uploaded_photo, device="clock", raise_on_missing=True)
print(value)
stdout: 7:16
